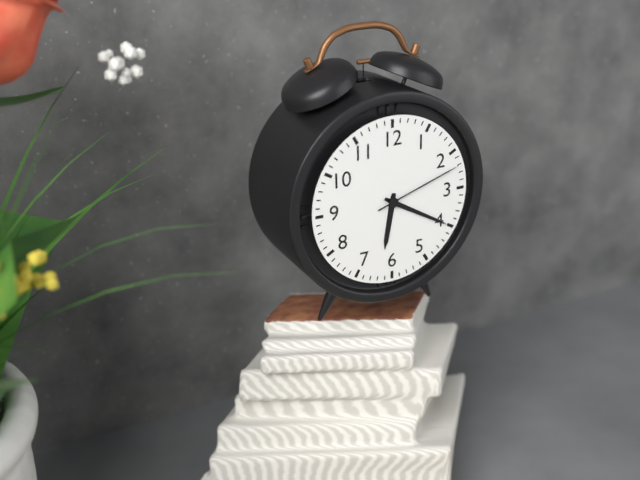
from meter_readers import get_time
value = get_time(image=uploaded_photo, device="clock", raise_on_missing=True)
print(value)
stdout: 6:20:12
